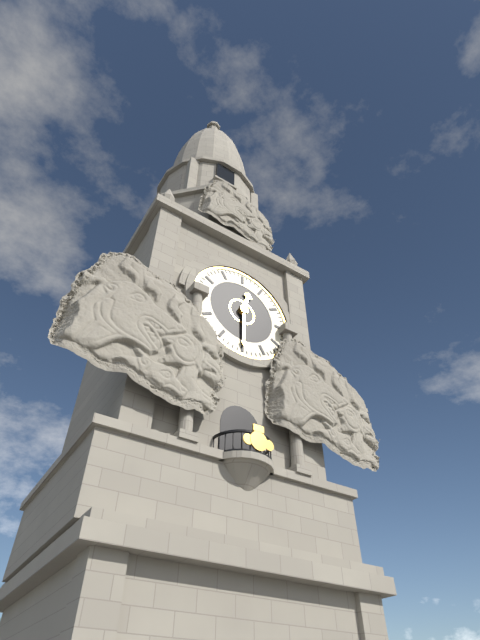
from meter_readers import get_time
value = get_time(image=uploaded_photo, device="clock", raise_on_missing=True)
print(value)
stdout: 12:30
